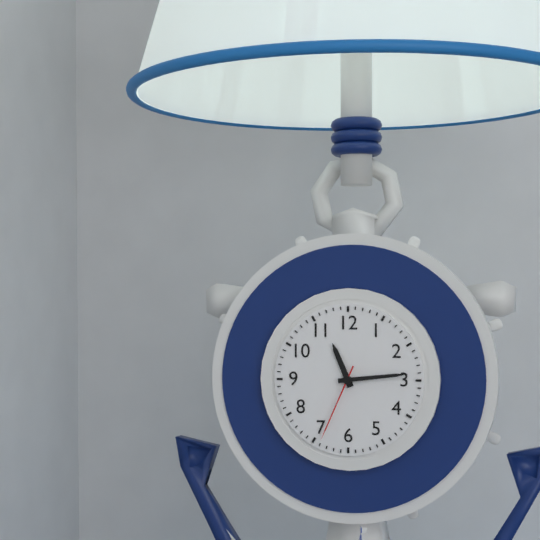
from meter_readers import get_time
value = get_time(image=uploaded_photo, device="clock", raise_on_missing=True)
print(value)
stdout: 11:14:34
